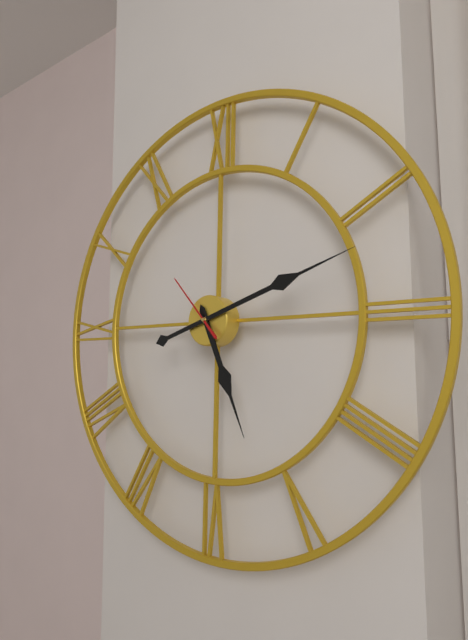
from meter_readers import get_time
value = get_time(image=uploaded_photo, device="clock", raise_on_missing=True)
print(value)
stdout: 5:12:53
